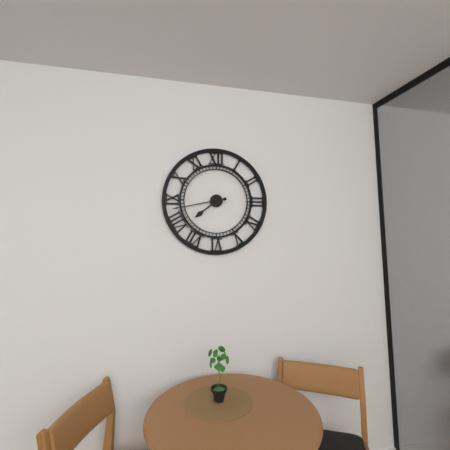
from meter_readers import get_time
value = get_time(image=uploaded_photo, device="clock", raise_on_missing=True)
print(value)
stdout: 7:43
